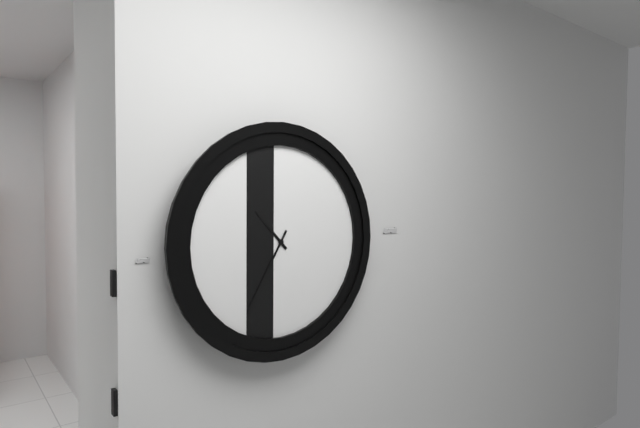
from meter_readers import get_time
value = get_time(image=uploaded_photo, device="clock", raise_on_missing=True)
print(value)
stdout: 10:35
